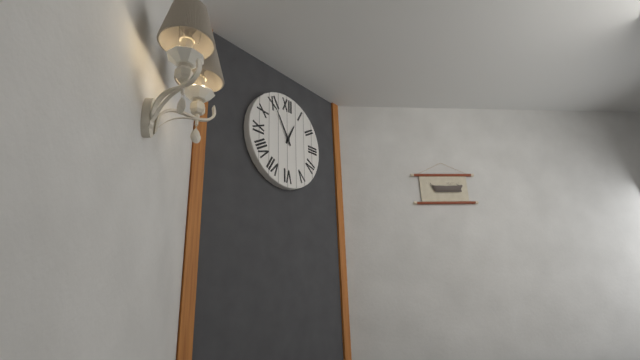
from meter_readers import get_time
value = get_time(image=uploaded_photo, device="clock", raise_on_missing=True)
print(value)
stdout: 12:55
